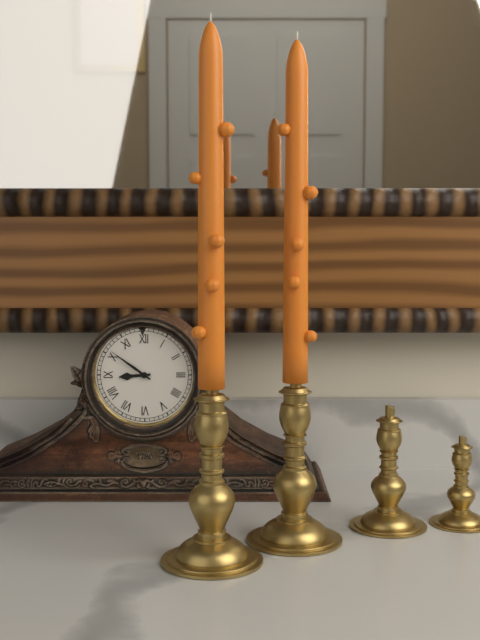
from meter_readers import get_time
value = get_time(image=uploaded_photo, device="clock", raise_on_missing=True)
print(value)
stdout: 8:51
